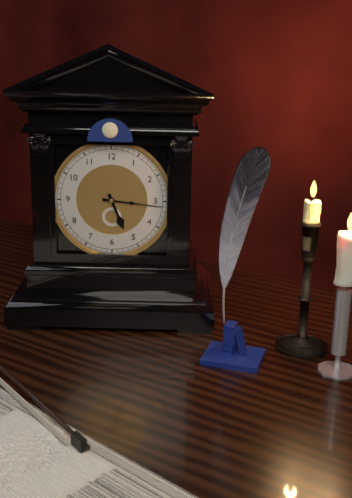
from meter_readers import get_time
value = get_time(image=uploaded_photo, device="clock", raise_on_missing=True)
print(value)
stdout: 5:16
